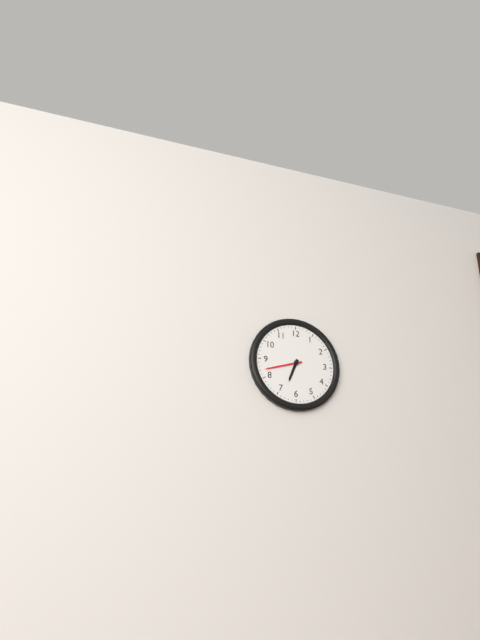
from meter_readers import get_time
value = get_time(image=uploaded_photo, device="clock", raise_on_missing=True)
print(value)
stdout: 6:42
